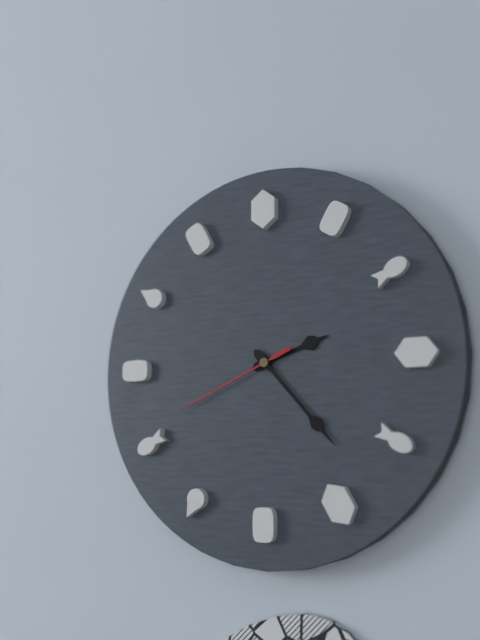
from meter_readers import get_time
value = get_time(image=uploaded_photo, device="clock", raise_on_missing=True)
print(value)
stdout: 2:23:41
